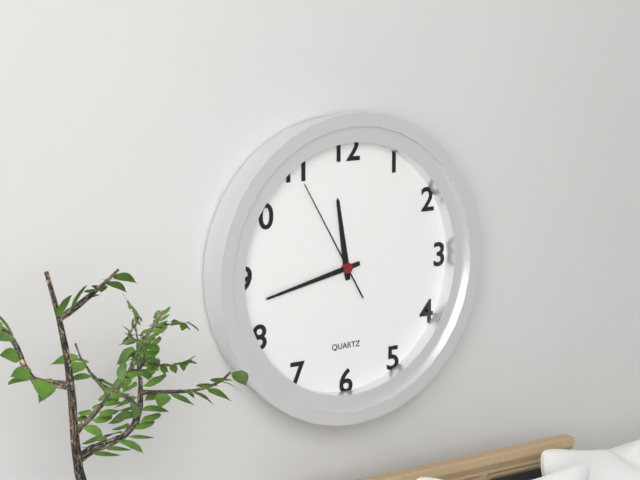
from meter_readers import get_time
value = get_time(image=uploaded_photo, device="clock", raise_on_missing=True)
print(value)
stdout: 11:43:55
